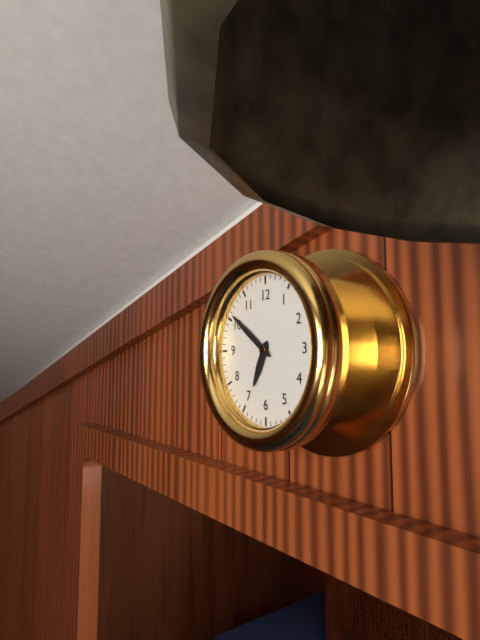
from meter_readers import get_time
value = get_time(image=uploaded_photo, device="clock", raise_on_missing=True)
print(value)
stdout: 6:51
